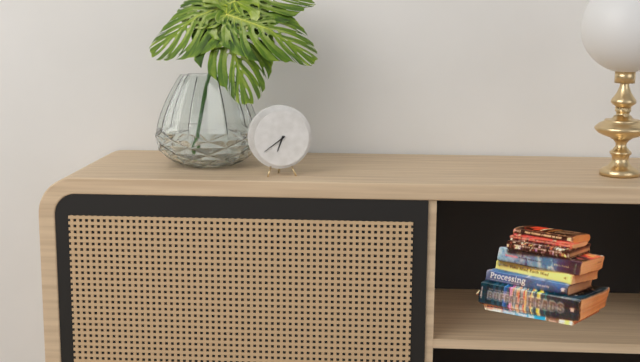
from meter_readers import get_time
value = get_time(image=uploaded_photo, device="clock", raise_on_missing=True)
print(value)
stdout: 6:39
